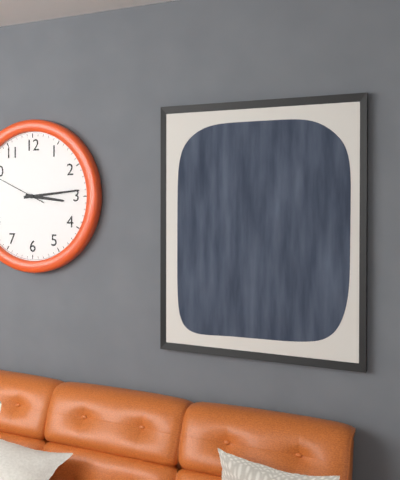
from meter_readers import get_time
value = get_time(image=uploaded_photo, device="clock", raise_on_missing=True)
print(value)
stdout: 3:14
